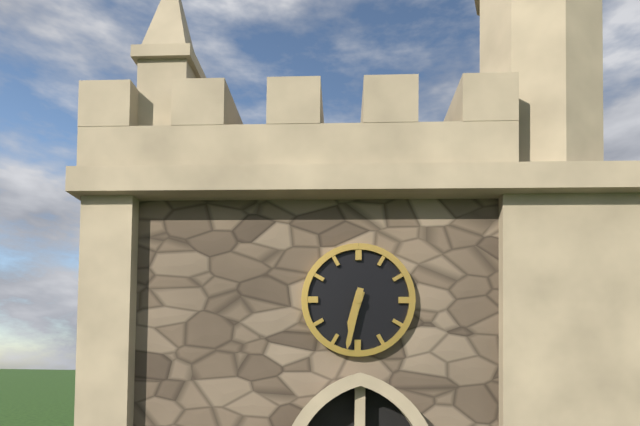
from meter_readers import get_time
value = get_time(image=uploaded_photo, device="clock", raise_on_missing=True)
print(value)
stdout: 6:32
